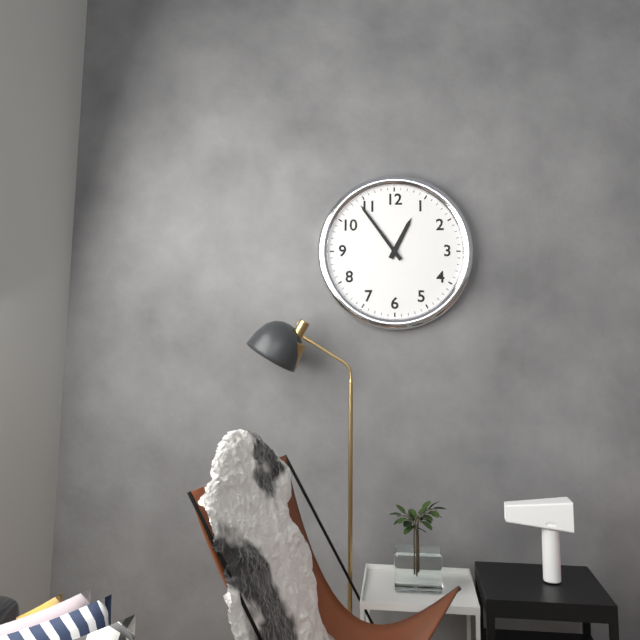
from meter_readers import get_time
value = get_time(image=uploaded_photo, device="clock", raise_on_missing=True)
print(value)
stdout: 12:54
